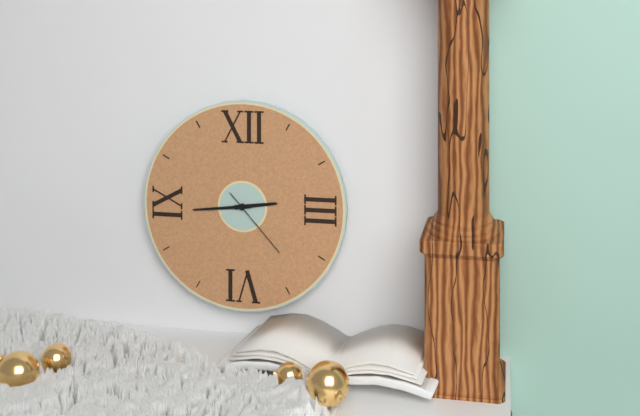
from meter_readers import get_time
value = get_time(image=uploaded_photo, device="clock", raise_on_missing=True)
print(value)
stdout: 2:44:23
